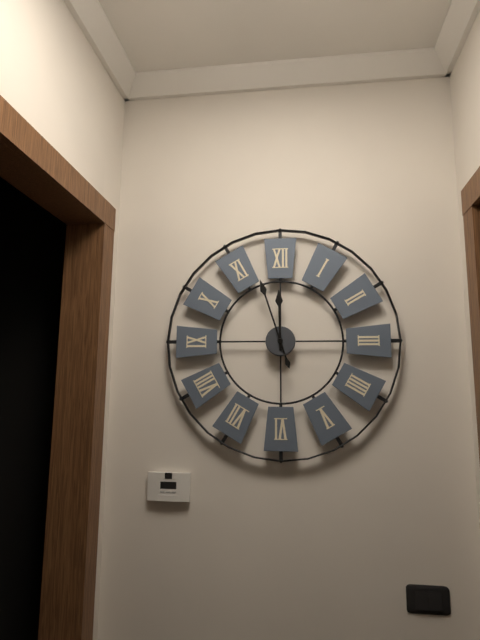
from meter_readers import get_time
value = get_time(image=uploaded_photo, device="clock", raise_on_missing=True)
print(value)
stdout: 11:57
